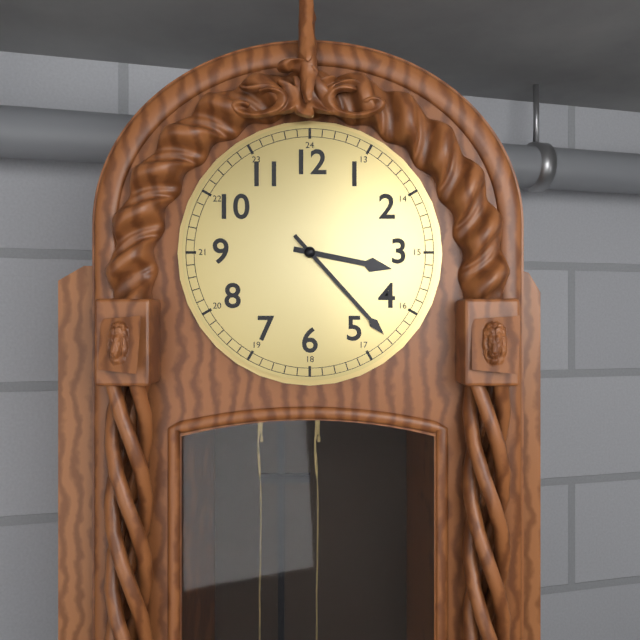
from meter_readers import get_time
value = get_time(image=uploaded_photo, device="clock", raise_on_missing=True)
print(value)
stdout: 3:23
